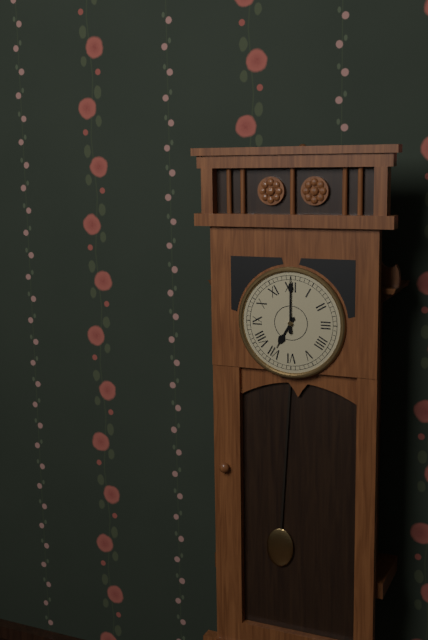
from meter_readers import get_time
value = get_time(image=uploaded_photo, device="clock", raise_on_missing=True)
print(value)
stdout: 7:00
